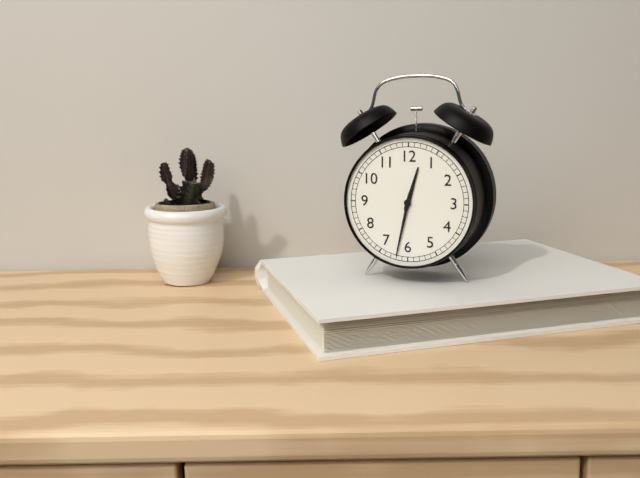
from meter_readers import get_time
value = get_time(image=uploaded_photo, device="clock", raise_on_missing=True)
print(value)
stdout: 12:32
